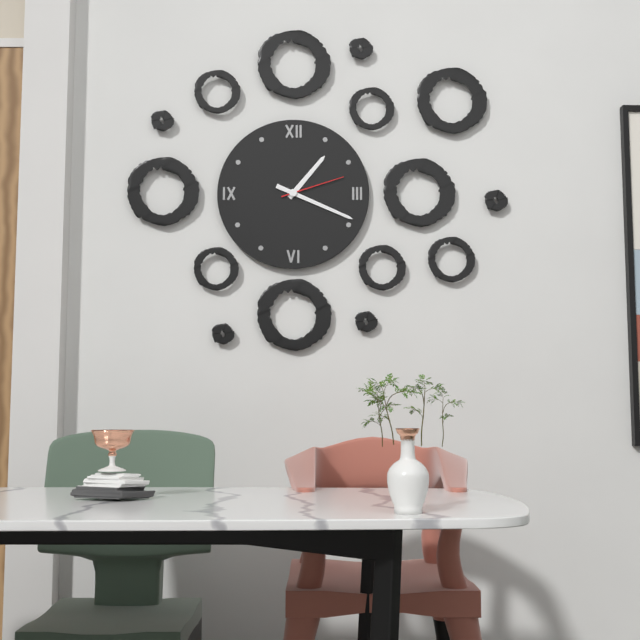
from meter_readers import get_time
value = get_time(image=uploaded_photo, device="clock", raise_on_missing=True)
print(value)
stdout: 1:19:12
